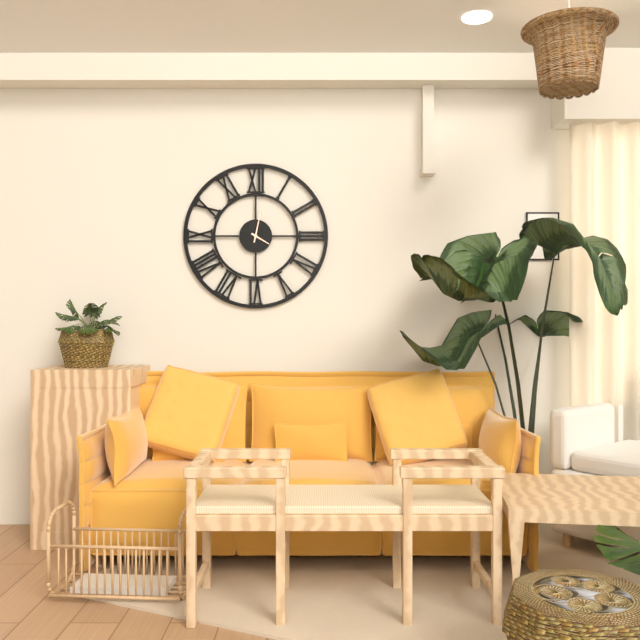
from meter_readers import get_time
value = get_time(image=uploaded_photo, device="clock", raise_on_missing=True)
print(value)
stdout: 4:02
